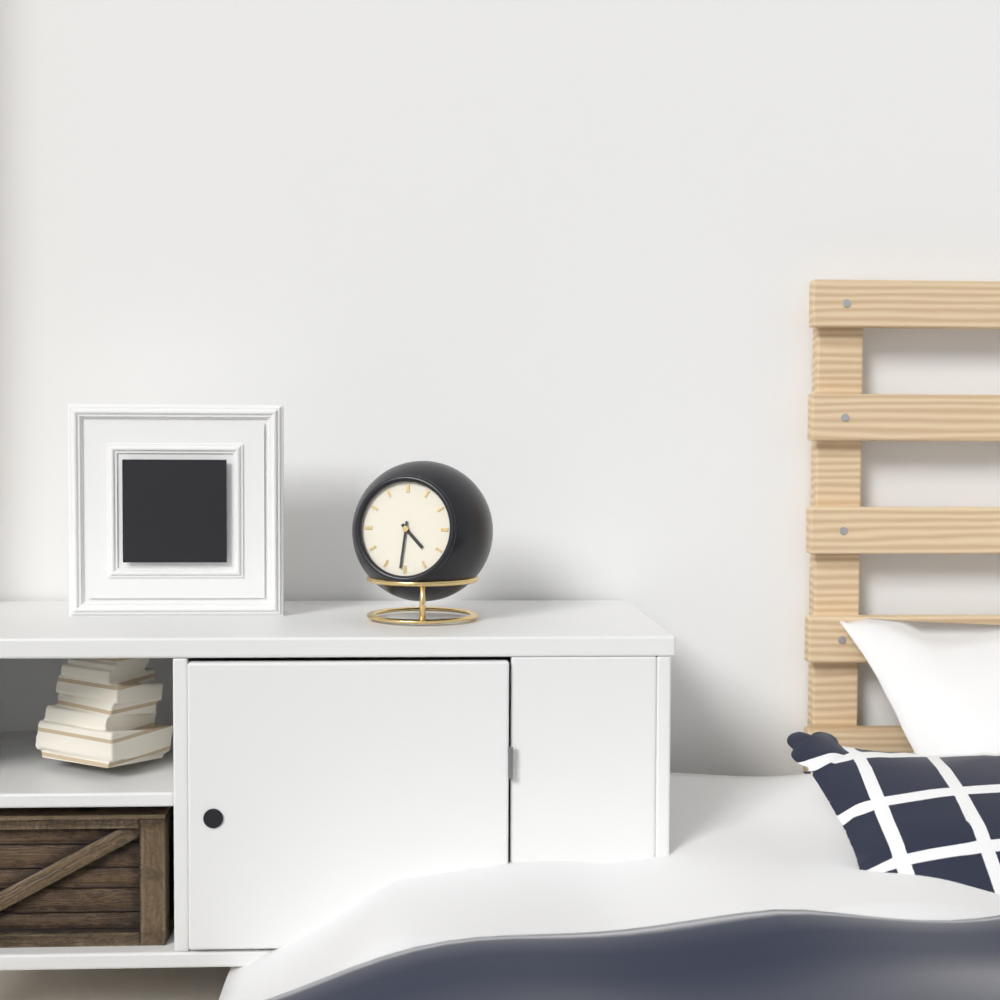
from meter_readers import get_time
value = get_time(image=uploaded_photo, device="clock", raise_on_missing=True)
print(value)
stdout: 4:31
